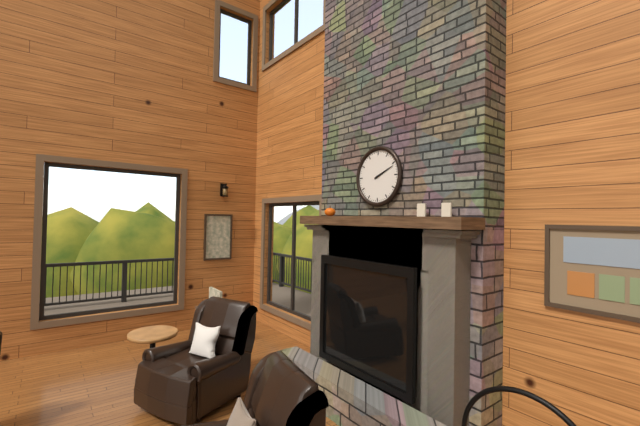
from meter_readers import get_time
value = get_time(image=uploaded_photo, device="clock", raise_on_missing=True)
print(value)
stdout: 2:11
